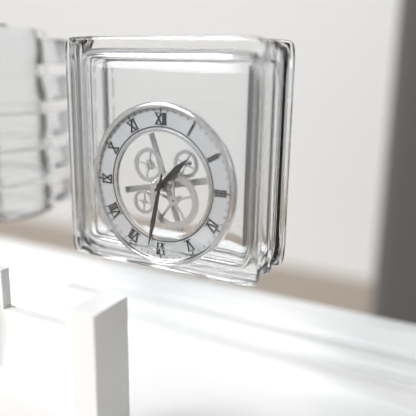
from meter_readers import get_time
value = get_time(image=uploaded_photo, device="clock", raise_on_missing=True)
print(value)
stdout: 1:32
